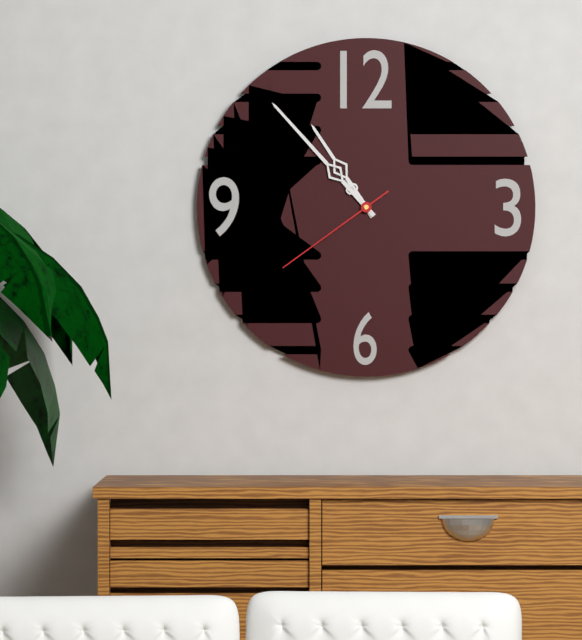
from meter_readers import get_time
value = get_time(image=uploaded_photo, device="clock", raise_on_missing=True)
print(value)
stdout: 10:53:39
